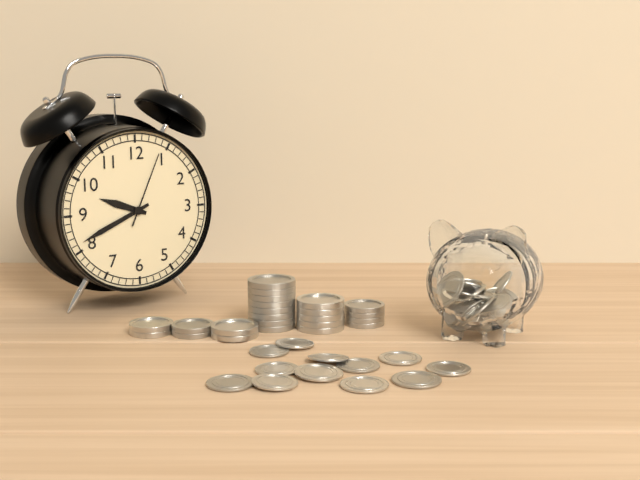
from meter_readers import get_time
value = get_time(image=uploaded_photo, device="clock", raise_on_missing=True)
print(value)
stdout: 9:41:04
